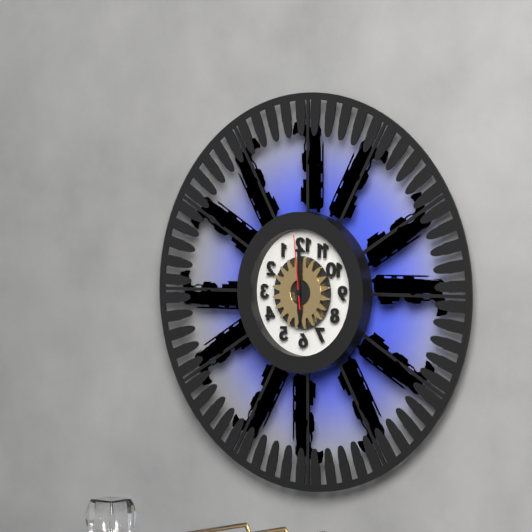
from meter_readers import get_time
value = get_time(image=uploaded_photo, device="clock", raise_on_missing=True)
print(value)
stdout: 6:00:59
